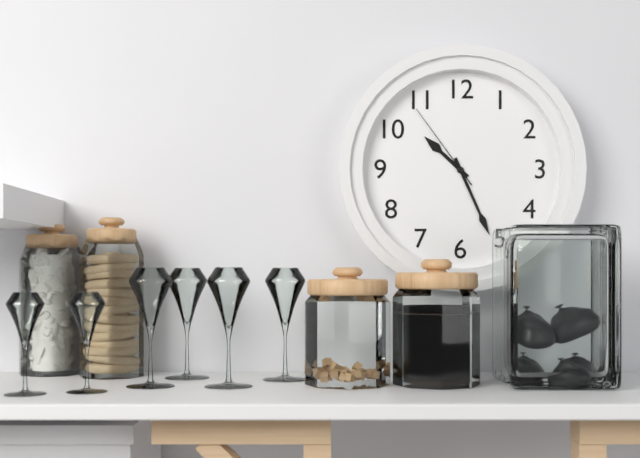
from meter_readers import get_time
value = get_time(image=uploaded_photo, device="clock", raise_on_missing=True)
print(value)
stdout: 10:26:54
